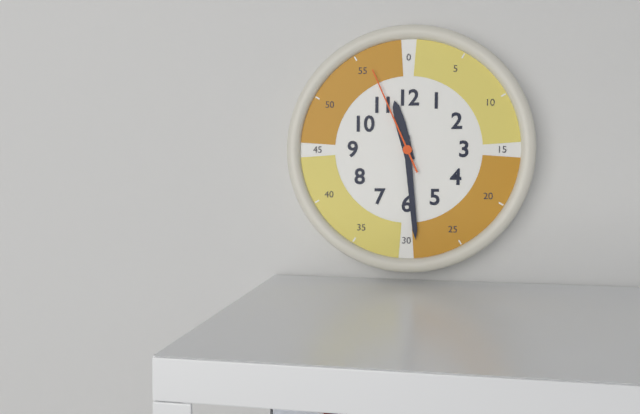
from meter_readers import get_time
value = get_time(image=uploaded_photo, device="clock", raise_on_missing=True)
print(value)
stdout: 11:29:56
